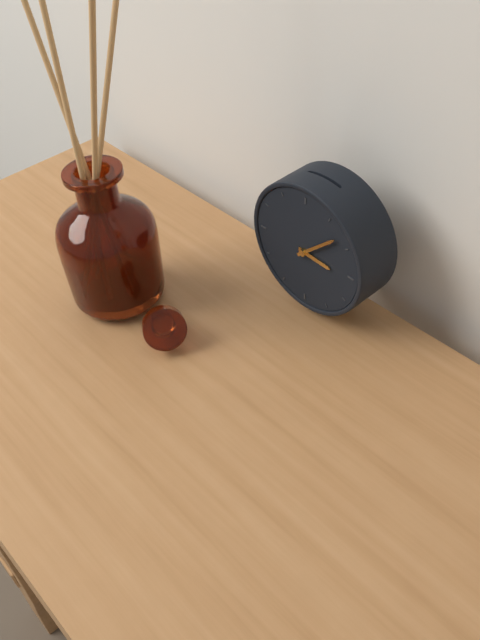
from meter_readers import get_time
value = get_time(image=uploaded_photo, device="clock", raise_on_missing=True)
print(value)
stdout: 3:08
